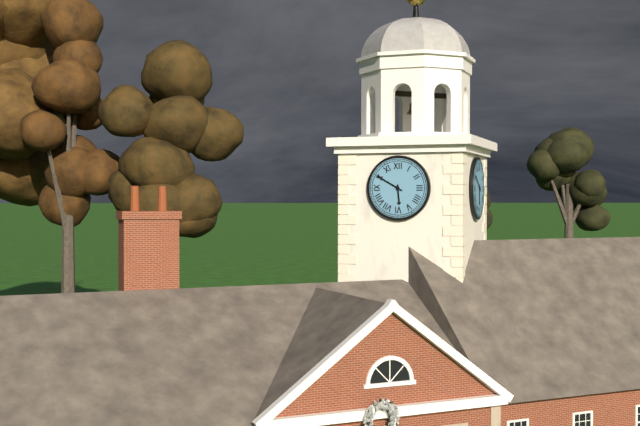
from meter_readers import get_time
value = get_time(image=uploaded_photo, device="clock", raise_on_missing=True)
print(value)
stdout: 5:50
